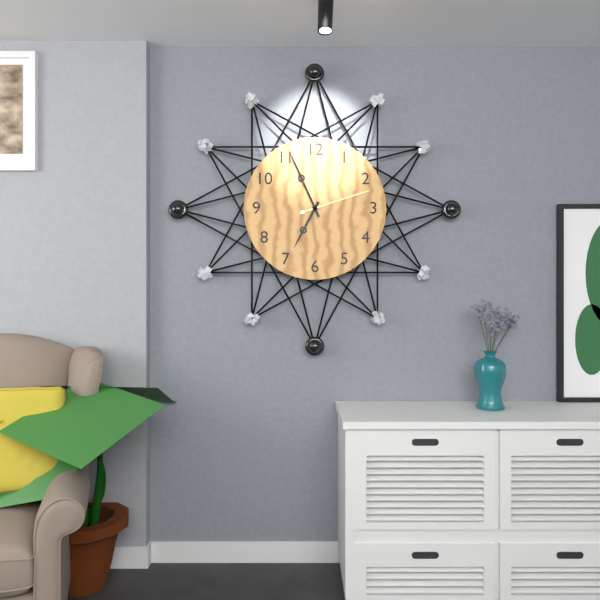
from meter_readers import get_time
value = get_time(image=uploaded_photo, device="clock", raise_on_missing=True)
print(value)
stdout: 6:56:12
